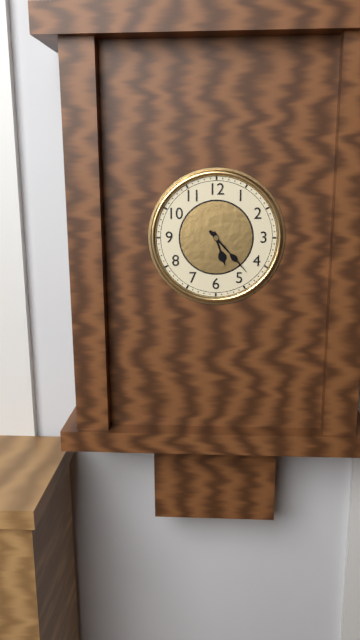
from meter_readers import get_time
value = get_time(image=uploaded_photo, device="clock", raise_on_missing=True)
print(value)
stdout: 5:23
